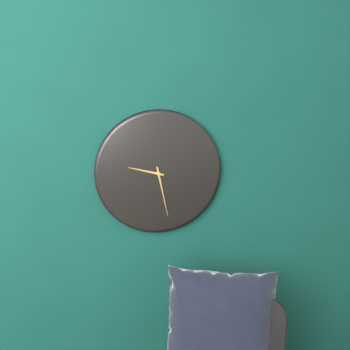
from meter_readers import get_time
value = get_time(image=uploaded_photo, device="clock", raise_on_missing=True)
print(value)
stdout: 9:28
